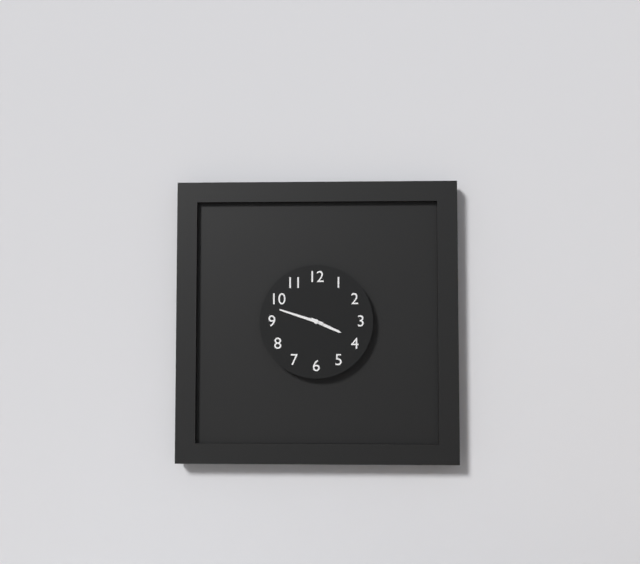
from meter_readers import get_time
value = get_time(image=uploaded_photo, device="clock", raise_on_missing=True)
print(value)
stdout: 3:48
